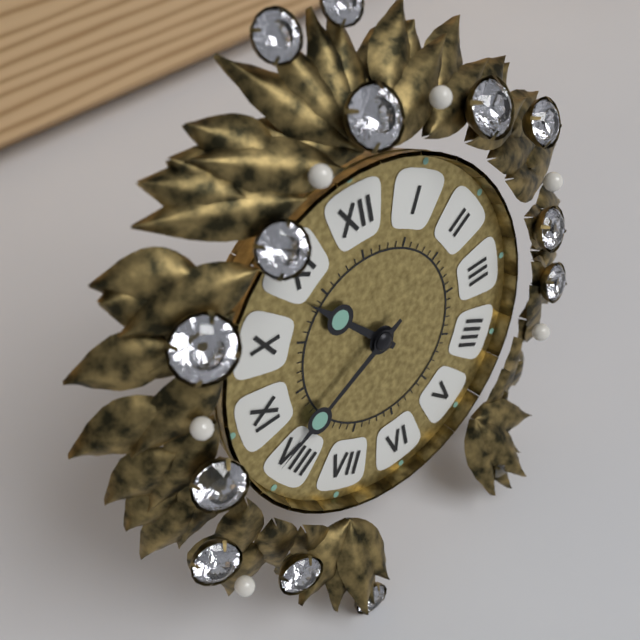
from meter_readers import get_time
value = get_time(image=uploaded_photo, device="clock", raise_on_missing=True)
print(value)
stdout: 10:41
